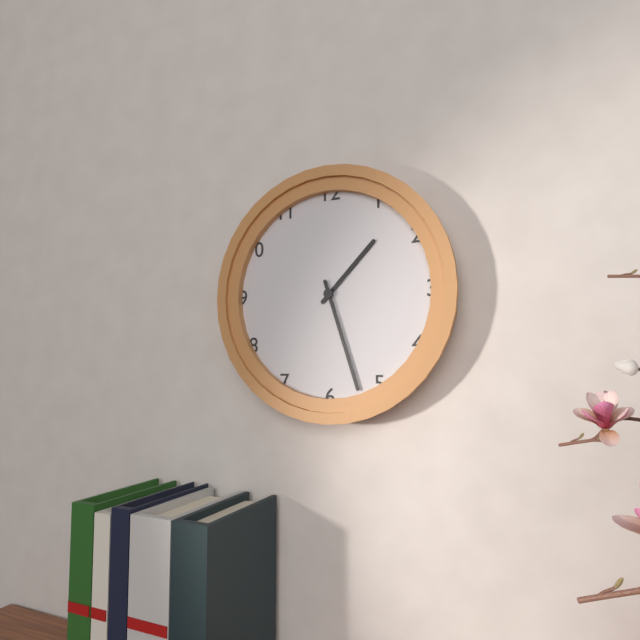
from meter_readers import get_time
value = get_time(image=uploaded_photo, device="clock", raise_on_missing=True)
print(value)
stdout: 1:27
